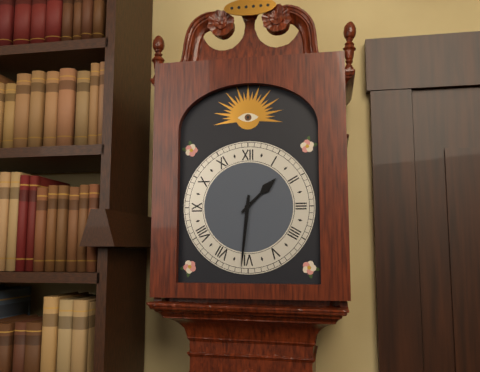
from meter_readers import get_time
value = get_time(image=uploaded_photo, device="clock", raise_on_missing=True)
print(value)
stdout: 1:31
